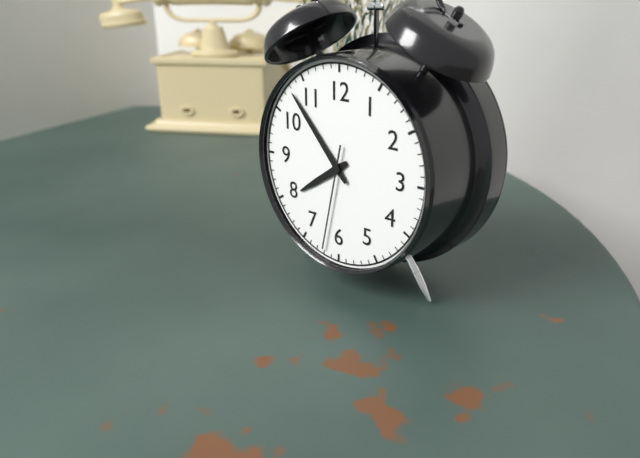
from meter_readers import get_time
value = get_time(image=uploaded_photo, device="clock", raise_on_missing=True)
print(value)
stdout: 7:53:32
